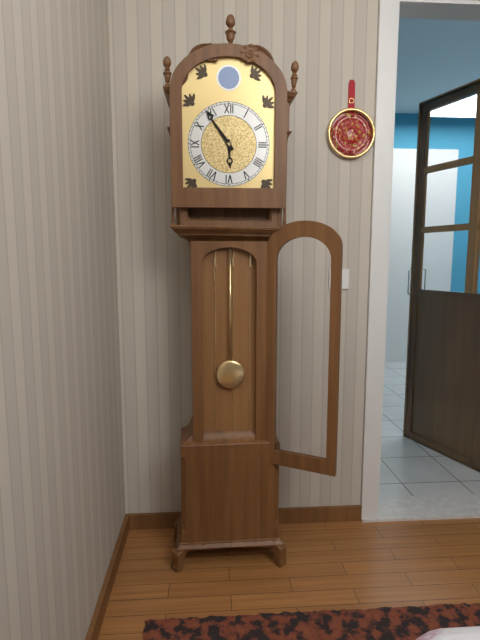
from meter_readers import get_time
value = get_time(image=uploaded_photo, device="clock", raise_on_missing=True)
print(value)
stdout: 5:54
